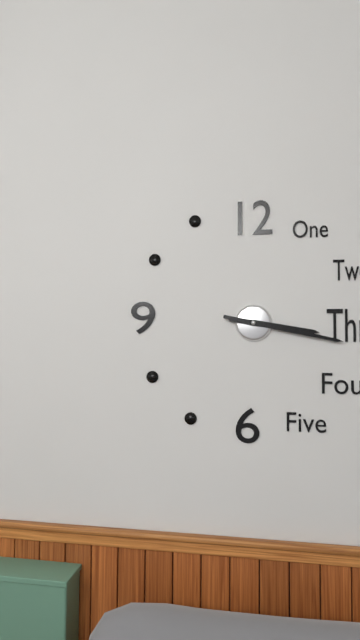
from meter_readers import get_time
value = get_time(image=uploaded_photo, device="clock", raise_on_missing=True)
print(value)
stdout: 3:17
